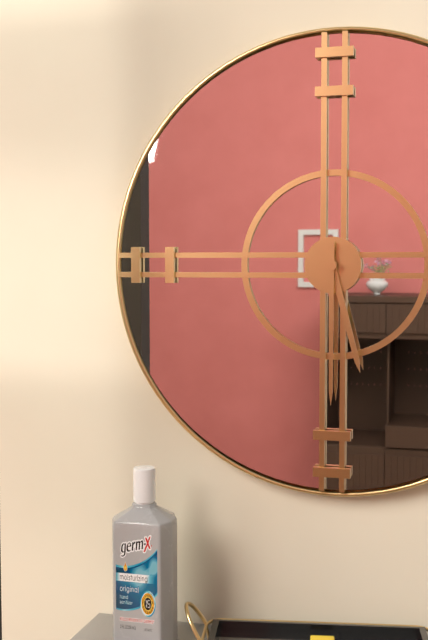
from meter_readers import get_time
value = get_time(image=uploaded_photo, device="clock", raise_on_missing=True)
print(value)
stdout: 5:30
